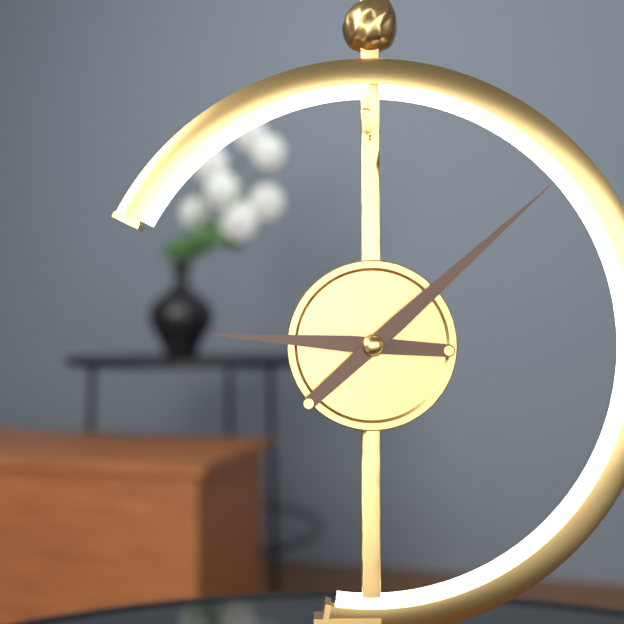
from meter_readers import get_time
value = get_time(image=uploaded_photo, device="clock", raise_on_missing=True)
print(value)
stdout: 9:08
